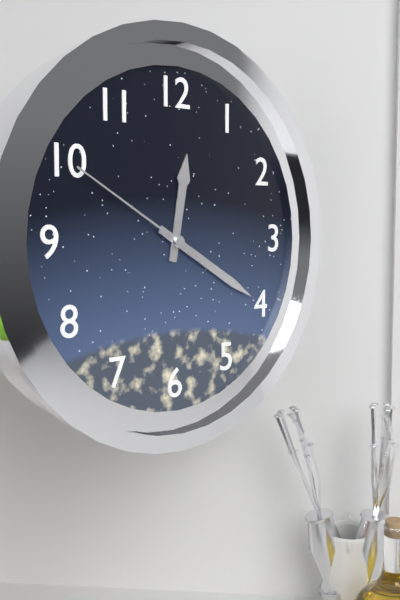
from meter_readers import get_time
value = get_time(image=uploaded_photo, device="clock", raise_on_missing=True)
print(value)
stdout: 12:20:50
